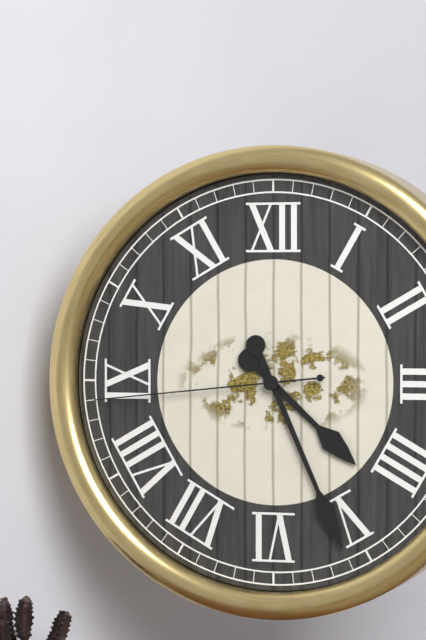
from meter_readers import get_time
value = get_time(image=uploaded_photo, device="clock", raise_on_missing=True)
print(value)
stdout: 4:26:44
